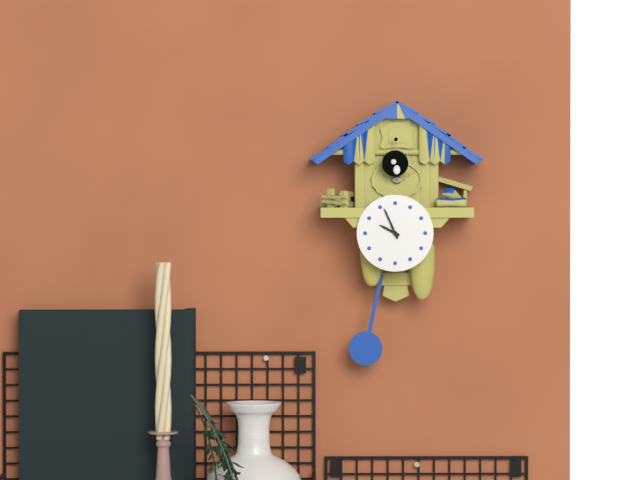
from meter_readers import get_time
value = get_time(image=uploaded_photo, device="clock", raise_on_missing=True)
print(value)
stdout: 9:56
